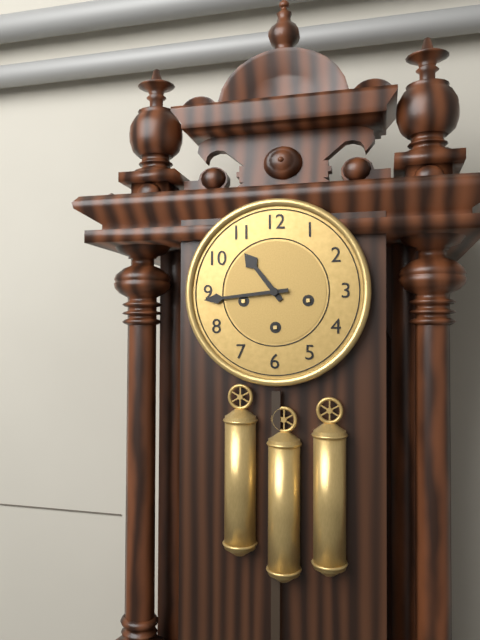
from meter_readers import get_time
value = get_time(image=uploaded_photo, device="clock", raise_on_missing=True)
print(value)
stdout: 10:44
